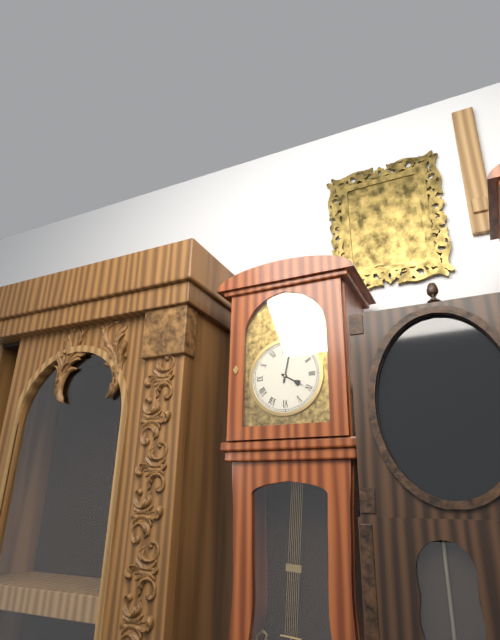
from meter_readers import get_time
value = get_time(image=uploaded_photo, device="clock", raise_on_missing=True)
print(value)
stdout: 4:02
